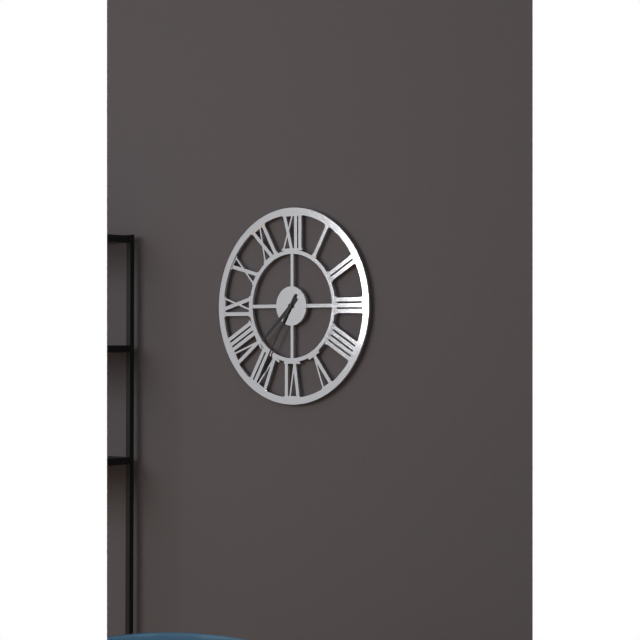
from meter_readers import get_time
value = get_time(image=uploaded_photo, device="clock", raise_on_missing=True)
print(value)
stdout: 7:35
